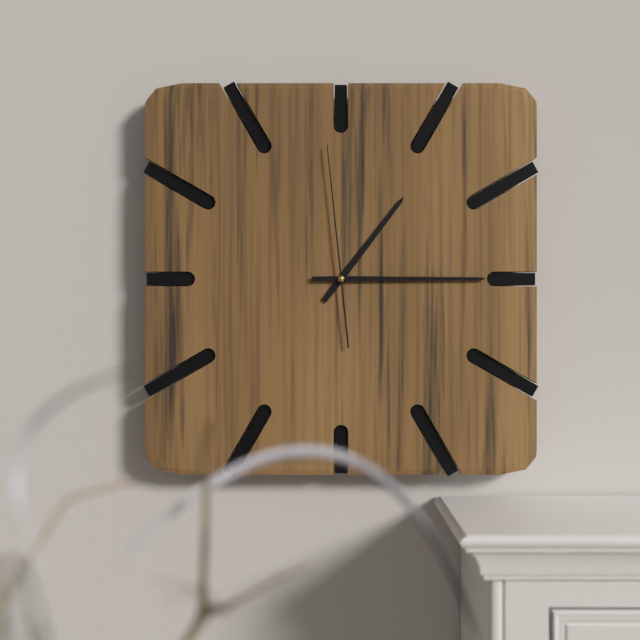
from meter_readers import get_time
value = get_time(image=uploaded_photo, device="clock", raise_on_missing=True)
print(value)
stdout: 1:15:59
